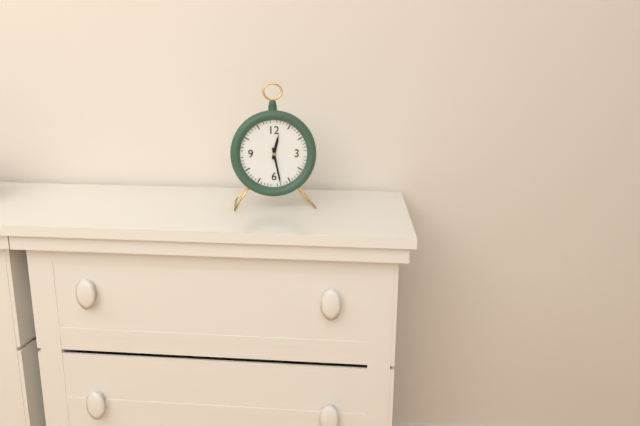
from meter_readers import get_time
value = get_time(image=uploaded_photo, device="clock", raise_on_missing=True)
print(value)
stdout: 12:28
